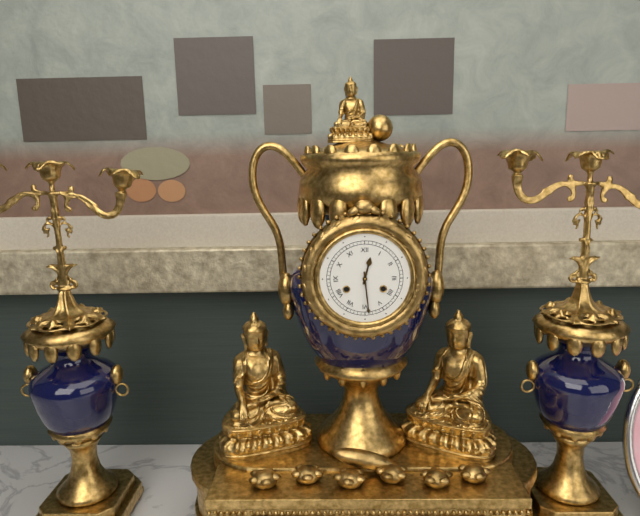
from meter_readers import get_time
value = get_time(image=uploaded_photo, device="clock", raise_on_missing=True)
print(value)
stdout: 12:29
